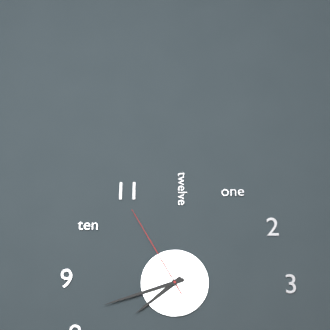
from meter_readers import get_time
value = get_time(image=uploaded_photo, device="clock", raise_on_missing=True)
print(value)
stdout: 7:42:55
